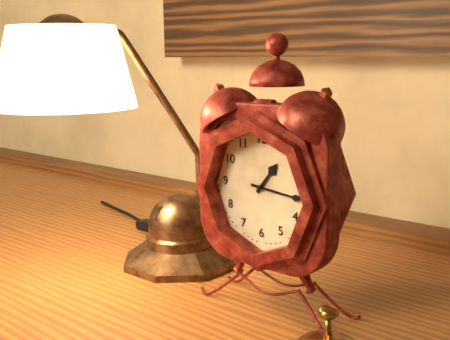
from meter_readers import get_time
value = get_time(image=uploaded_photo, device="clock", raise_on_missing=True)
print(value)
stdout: 1:16
